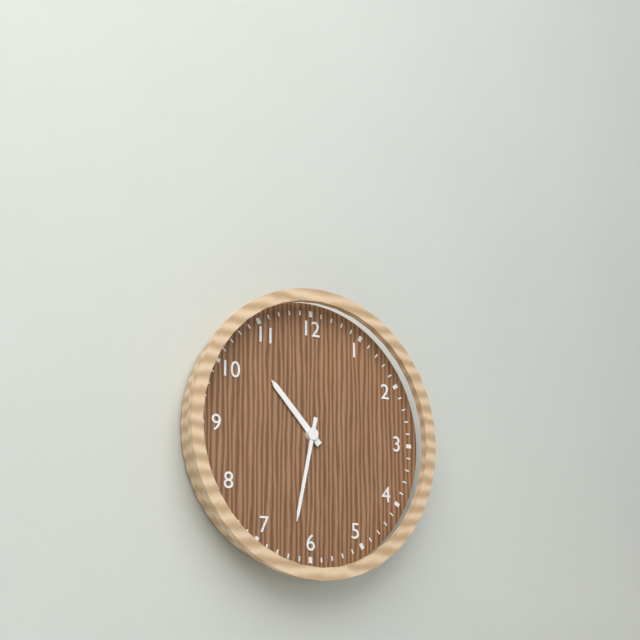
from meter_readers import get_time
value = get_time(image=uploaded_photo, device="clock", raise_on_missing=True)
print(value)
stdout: 10:32
